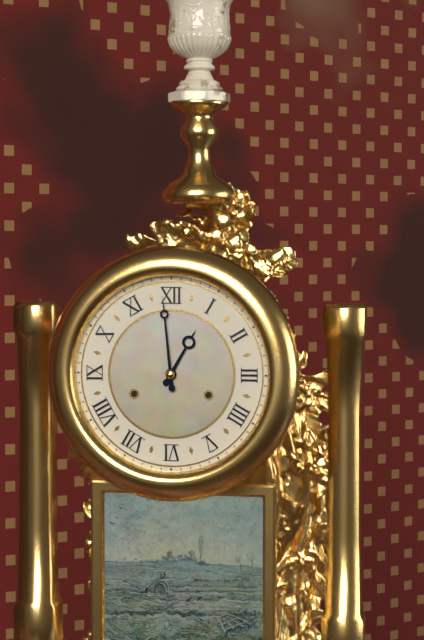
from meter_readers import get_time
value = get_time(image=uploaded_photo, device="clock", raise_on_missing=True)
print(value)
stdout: 12:59
